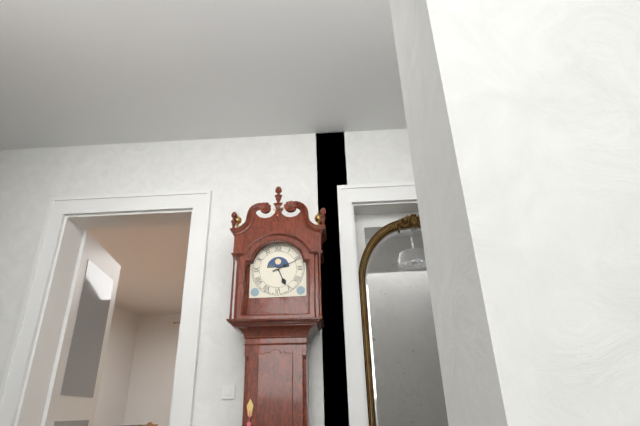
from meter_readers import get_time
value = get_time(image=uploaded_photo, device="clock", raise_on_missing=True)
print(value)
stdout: 5:11
